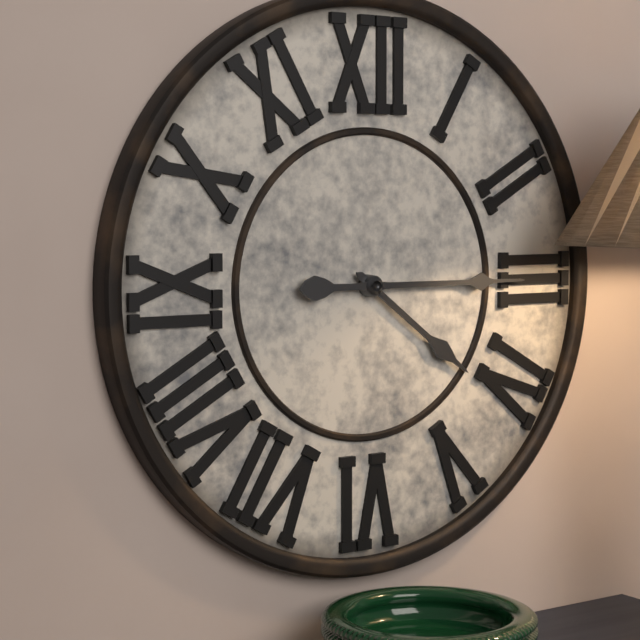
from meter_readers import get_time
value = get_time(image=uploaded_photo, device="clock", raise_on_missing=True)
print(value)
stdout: 4:15
